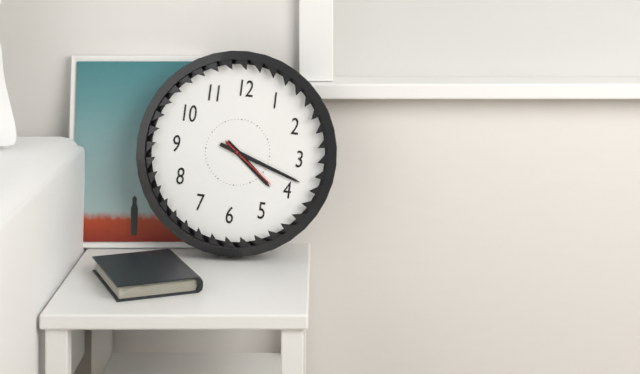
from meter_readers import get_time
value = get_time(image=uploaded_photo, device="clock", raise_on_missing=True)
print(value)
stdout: 4:18:21
